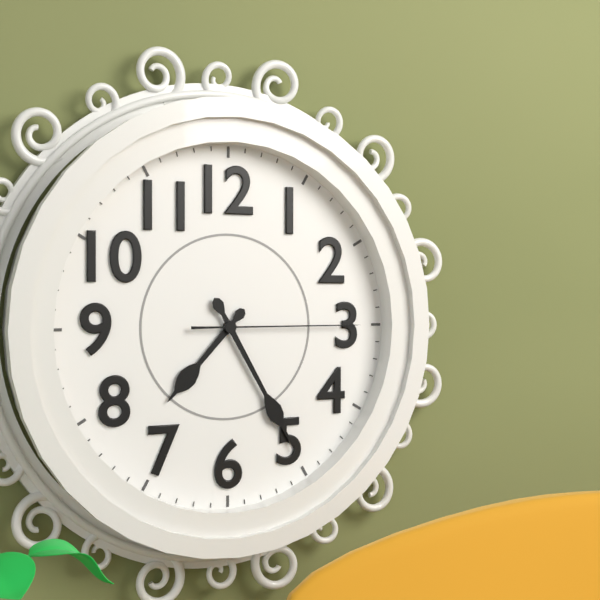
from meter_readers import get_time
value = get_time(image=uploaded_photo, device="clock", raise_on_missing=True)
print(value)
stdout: 7:25:15
